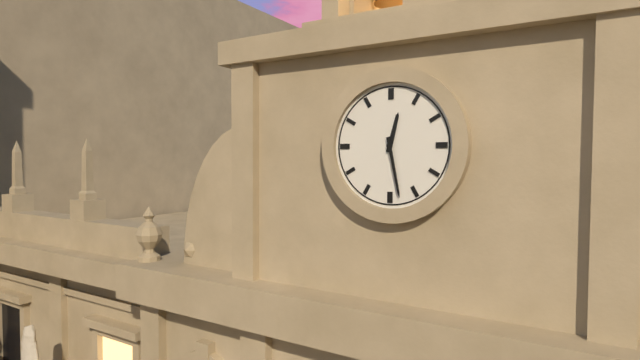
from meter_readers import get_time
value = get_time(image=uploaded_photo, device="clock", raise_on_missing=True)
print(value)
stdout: 12:28
